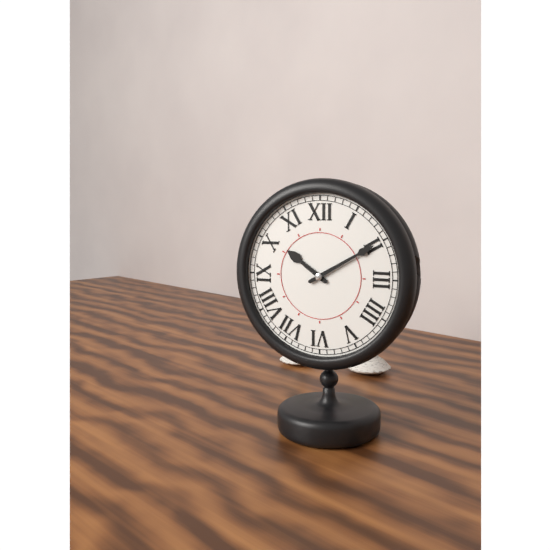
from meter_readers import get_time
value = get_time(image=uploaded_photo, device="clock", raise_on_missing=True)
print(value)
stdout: 10:10
